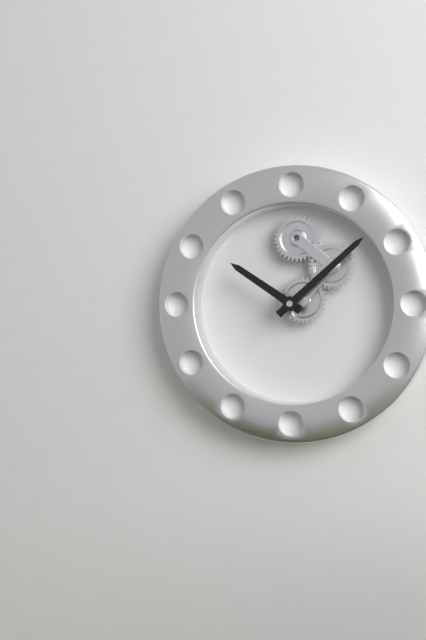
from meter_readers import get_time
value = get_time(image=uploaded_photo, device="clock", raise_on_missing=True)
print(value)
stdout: 10:08
